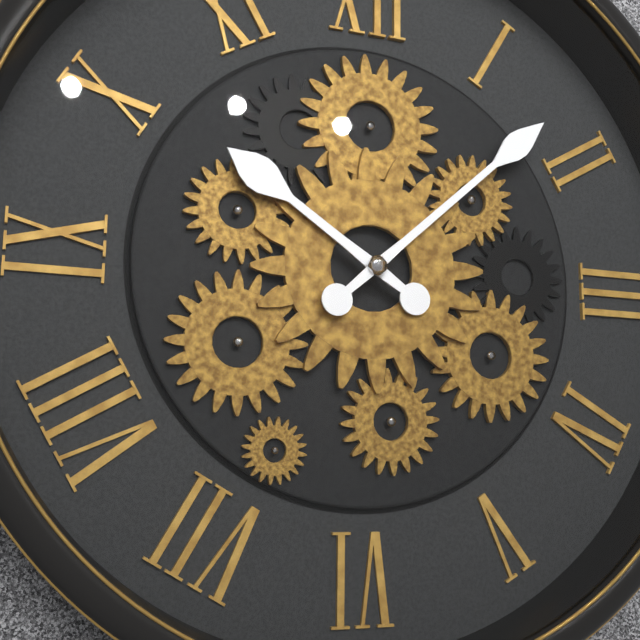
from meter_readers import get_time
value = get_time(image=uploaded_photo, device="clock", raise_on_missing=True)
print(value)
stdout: 10:08
